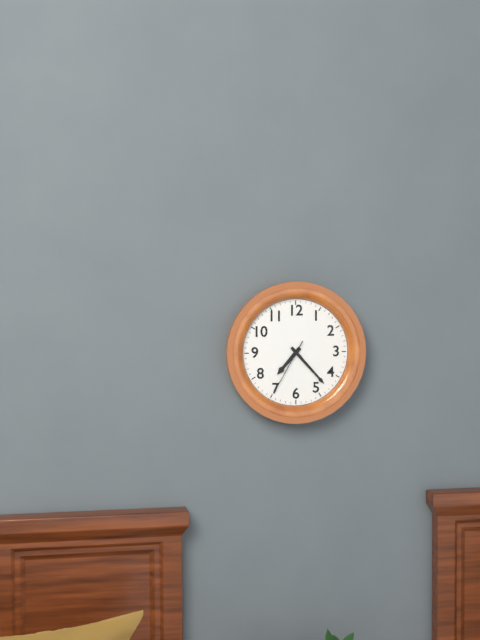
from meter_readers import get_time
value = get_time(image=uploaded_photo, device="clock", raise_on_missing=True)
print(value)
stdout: 7:23:35
